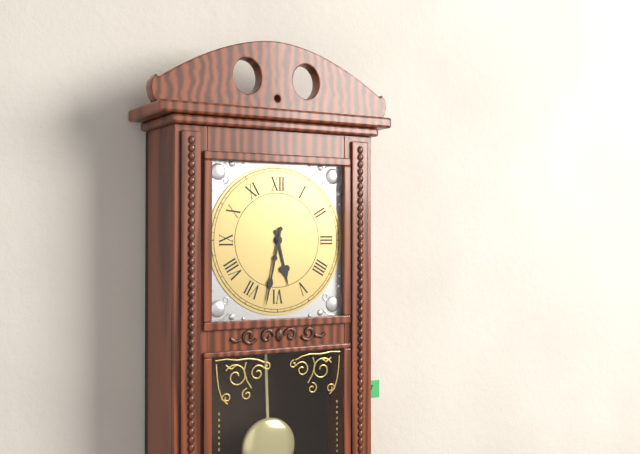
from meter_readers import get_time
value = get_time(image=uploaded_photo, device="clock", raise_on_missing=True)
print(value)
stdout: 5:32
